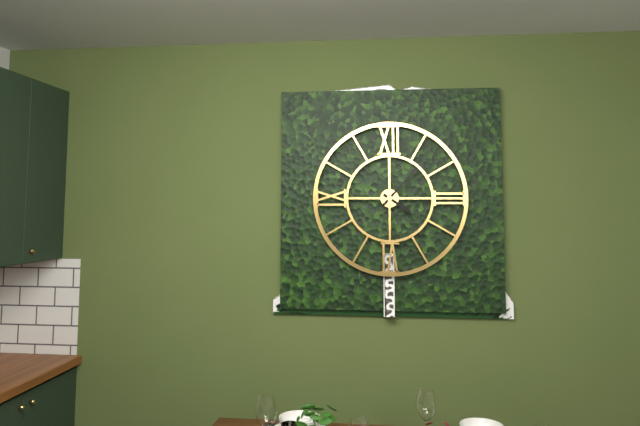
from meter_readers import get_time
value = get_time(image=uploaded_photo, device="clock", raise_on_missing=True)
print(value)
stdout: 4:07
